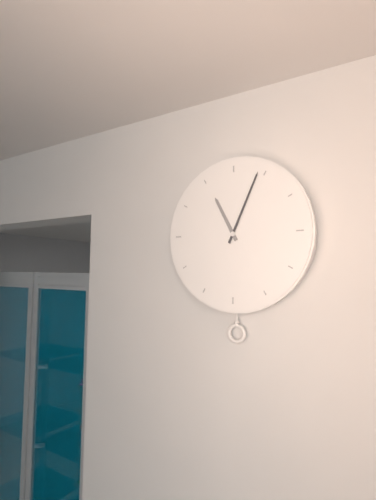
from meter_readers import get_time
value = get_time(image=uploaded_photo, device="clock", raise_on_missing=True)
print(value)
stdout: 11:04
